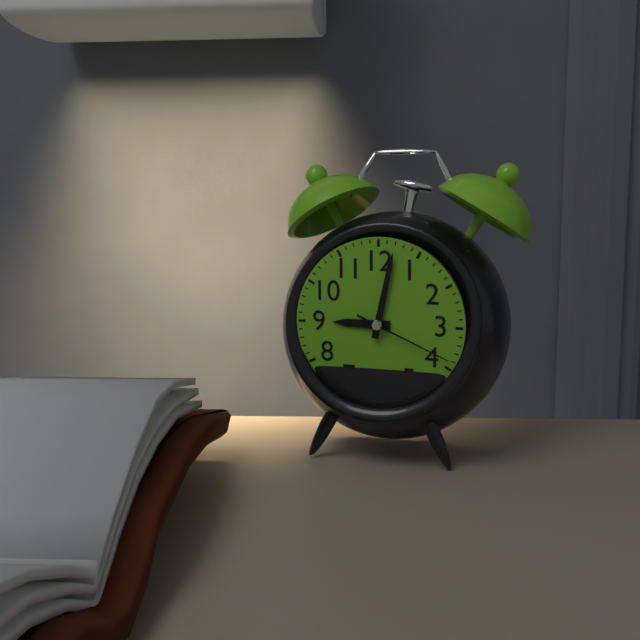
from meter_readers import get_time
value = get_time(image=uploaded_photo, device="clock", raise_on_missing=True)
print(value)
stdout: 9:02:19
